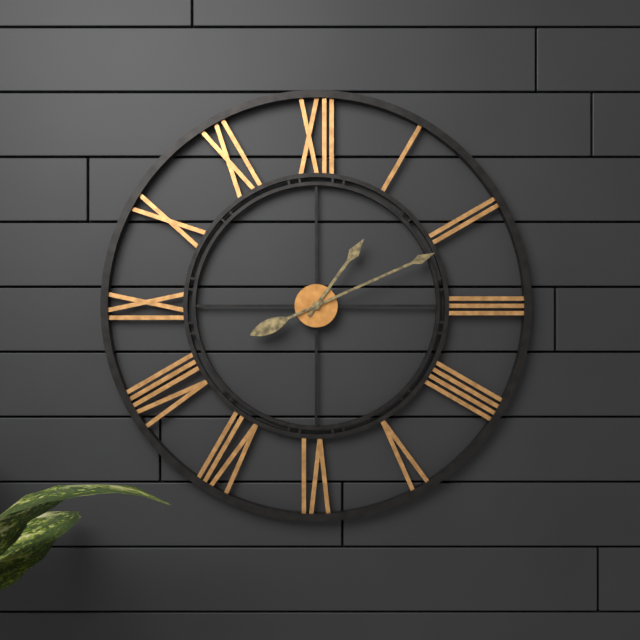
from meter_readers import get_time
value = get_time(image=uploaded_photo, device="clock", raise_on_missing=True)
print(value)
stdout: 1:11
